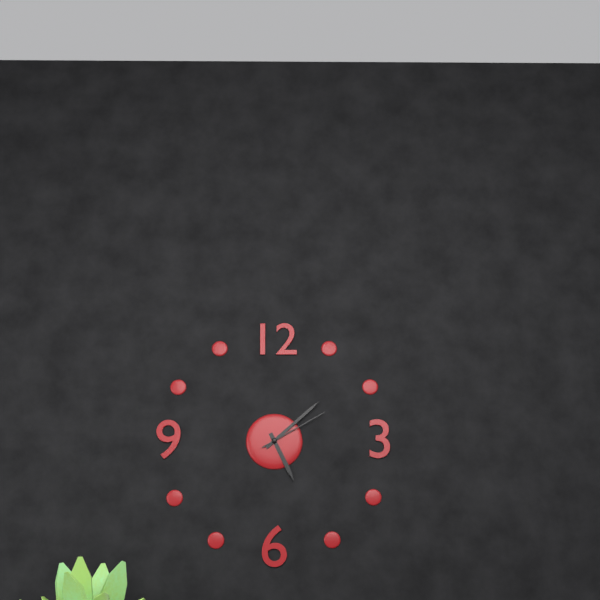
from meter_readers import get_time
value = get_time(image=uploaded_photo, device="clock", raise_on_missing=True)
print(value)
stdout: 5:08:10
